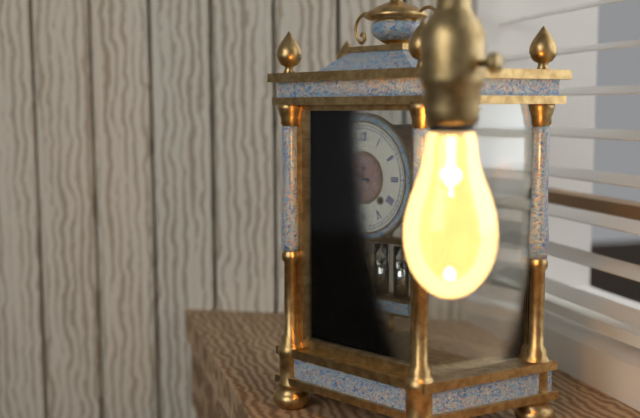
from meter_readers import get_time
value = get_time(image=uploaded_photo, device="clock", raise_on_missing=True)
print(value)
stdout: 9:33
